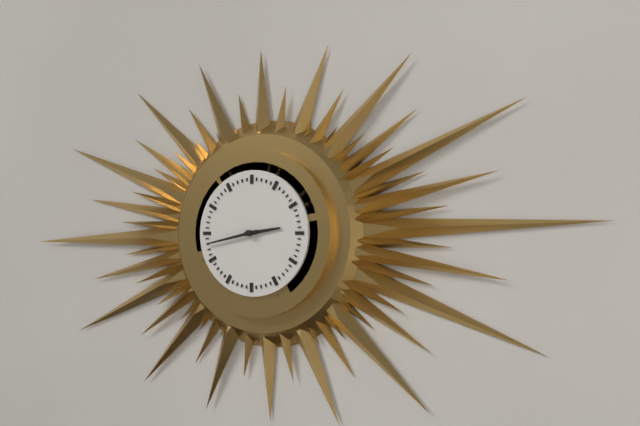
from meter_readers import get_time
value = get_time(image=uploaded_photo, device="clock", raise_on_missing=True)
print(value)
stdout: 2:43
